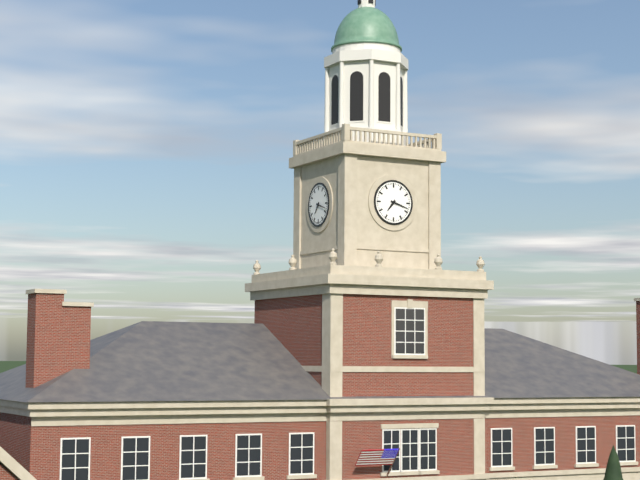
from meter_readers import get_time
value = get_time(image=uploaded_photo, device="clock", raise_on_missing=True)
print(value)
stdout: 7:18
